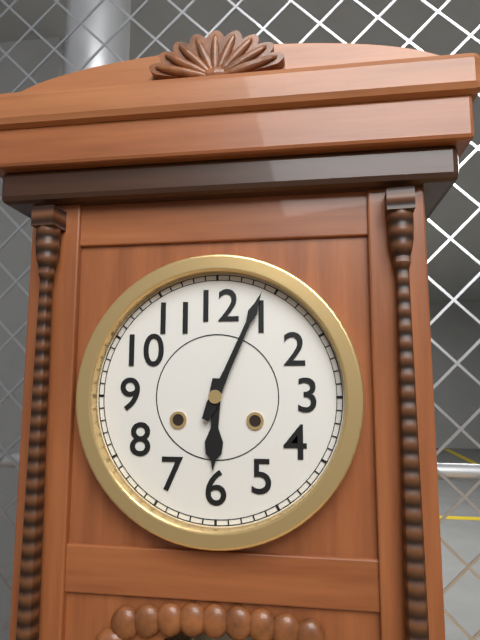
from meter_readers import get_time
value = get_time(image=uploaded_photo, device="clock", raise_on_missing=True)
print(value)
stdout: 6:04
